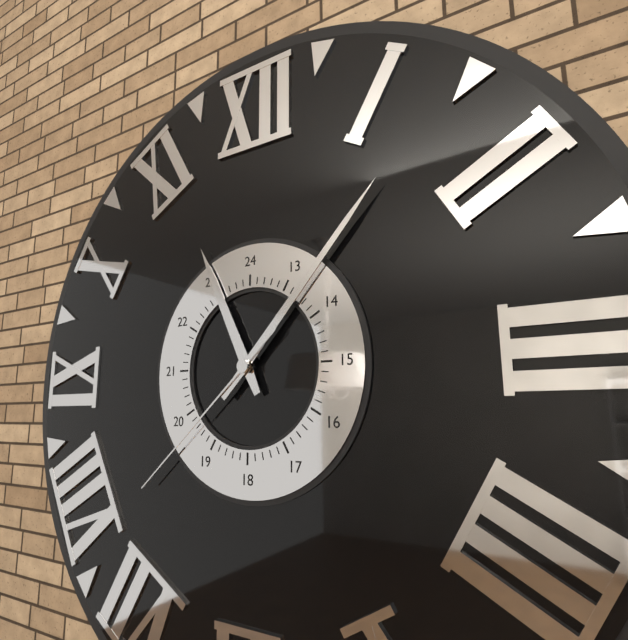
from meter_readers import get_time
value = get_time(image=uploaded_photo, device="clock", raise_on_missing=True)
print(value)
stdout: 11:07:38
